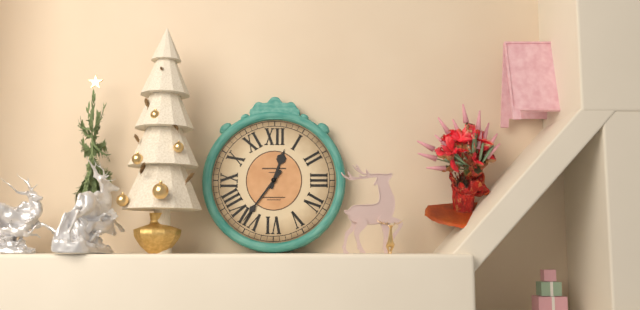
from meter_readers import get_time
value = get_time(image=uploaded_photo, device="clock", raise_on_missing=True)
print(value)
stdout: 12:36
